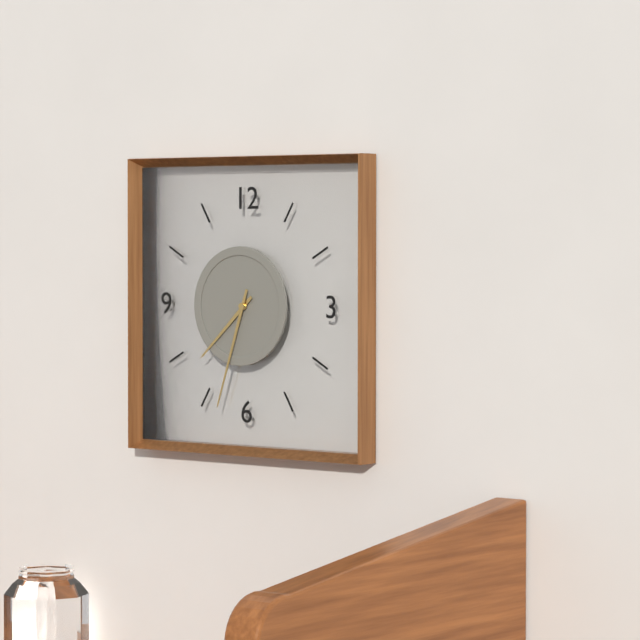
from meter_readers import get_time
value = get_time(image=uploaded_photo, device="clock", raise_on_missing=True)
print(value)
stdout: 7:33
